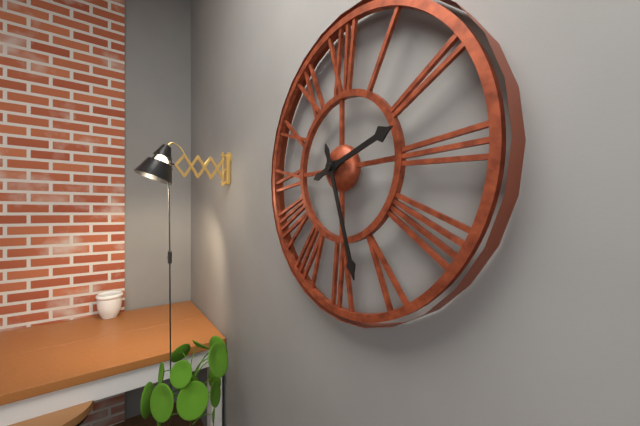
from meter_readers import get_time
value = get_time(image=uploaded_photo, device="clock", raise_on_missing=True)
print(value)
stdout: 2:27
